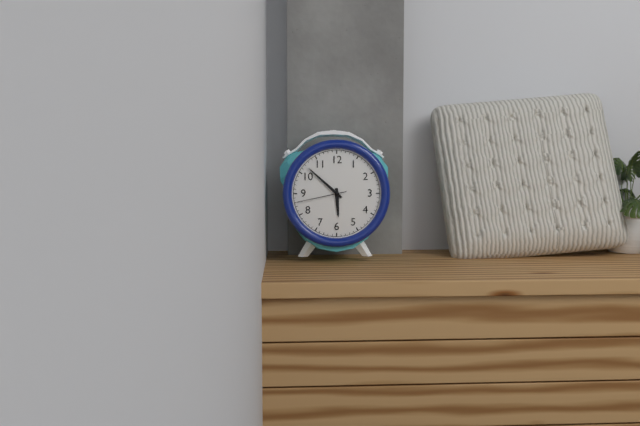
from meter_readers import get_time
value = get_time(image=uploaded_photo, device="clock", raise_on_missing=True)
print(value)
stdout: 5:52:43
